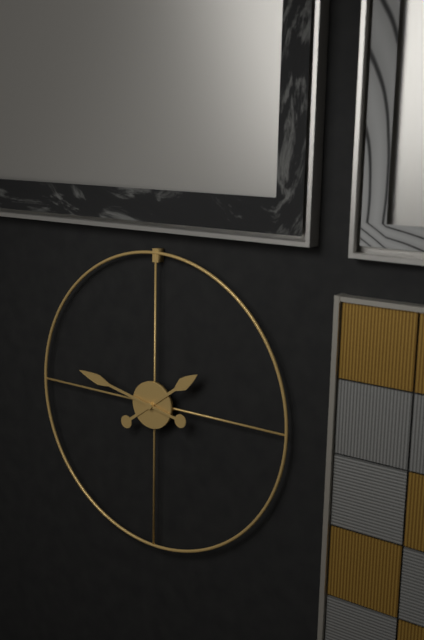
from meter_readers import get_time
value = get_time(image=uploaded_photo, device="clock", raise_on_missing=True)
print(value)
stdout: 1:47
